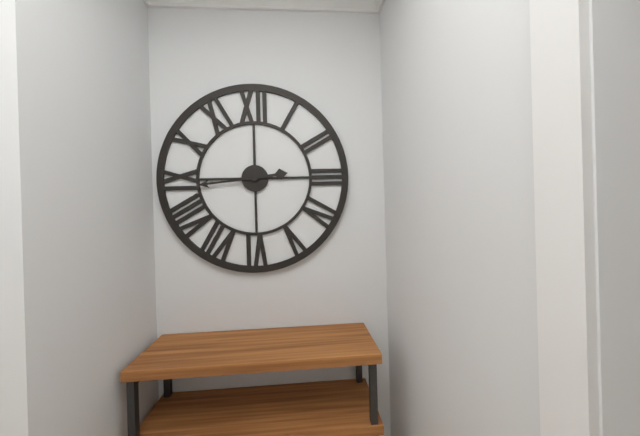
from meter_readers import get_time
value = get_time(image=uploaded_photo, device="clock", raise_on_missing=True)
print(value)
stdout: 2:44
